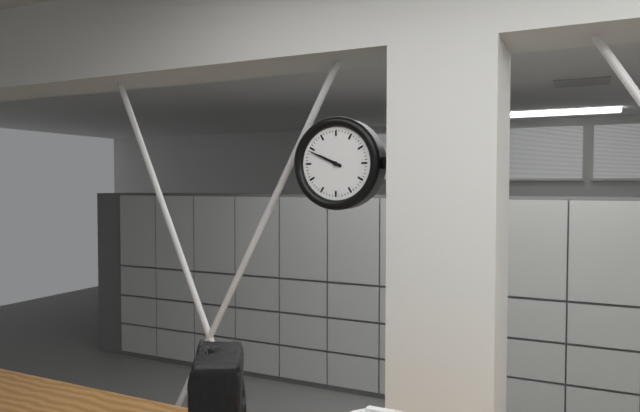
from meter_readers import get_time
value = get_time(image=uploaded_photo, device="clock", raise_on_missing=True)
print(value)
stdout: 9:49
